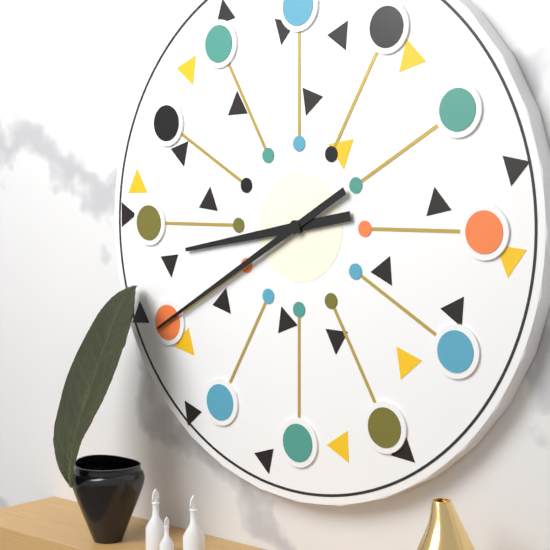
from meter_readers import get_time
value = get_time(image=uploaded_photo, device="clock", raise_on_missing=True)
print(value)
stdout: 8:40
